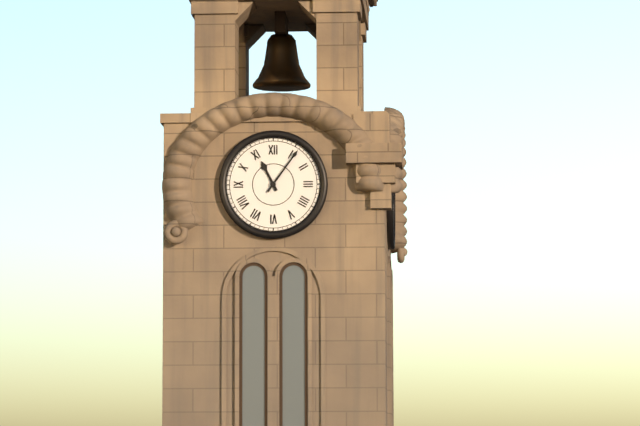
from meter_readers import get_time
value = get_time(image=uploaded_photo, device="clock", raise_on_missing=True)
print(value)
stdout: 11:06
